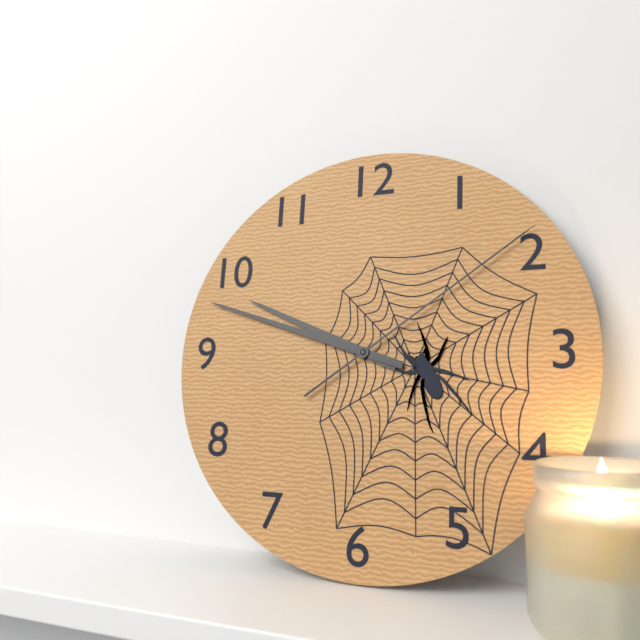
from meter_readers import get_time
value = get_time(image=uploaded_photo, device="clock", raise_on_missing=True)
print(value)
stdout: 9:48:09
